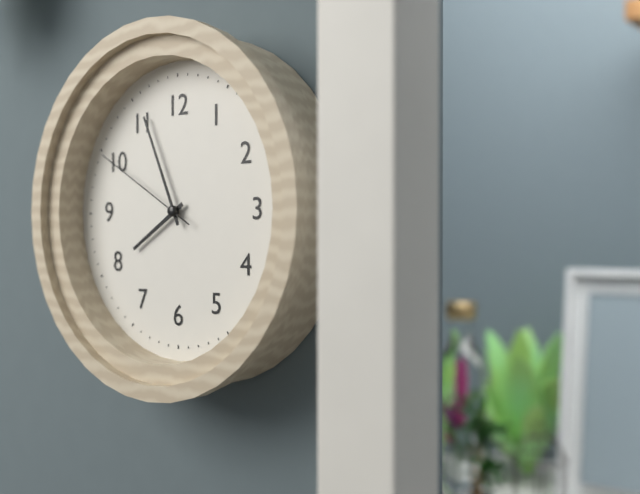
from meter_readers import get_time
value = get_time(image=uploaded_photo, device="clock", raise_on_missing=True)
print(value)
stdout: 7:56:50
